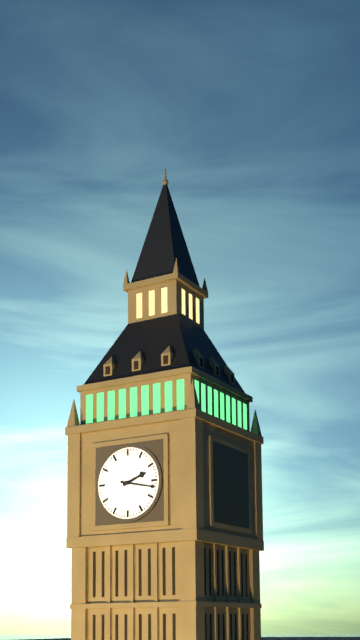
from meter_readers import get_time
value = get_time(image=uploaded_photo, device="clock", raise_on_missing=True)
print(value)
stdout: 2:17
